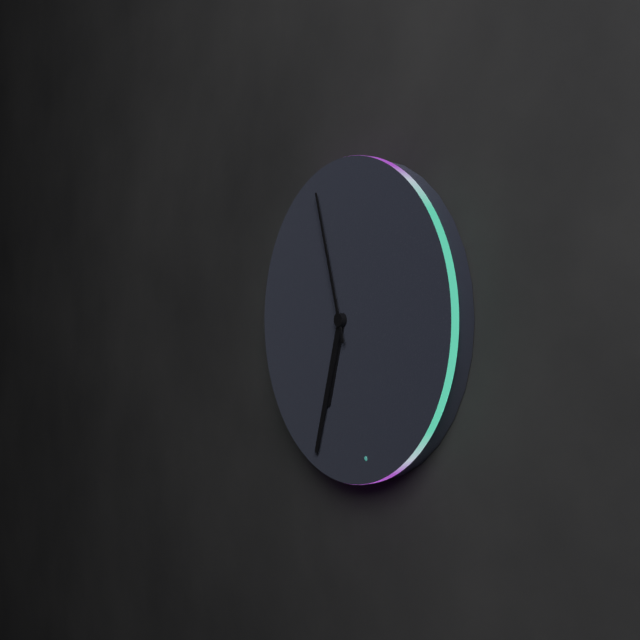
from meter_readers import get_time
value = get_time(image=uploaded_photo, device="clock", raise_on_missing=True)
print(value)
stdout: 6:33:57
